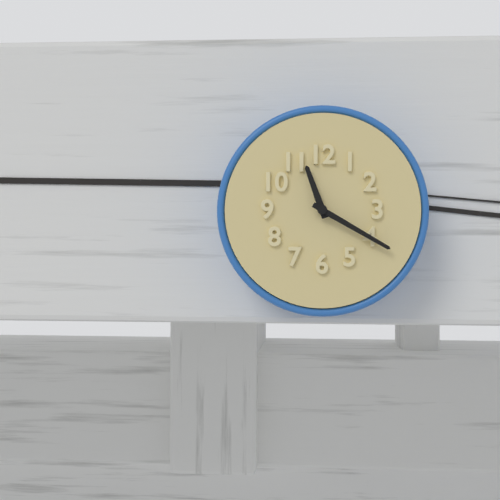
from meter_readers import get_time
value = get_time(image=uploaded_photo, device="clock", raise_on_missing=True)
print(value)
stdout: 11:20
